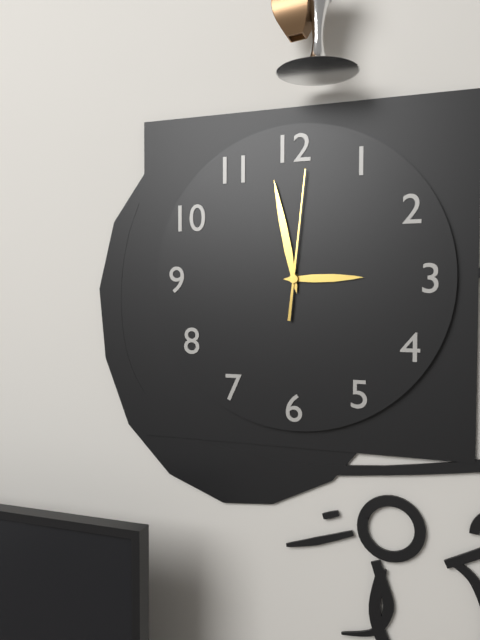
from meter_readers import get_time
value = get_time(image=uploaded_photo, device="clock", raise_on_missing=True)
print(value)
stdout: 2:58:01
